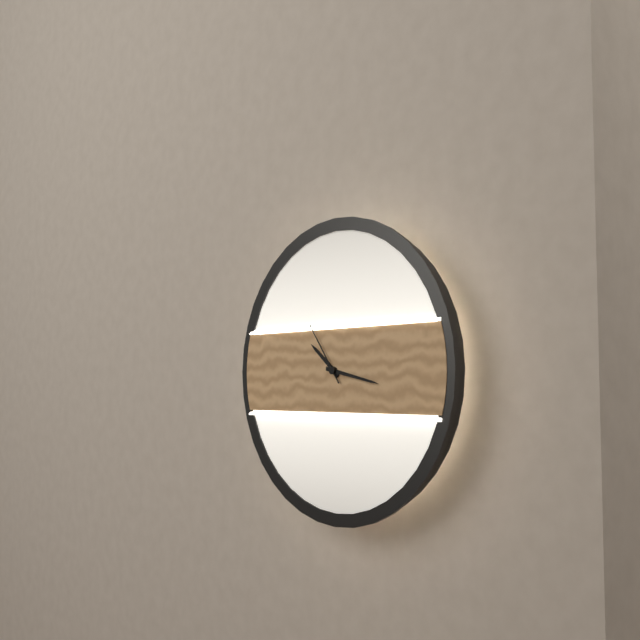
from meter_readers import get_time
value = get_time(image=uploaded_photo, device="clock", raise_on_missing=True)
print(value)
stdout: 10:17:54
